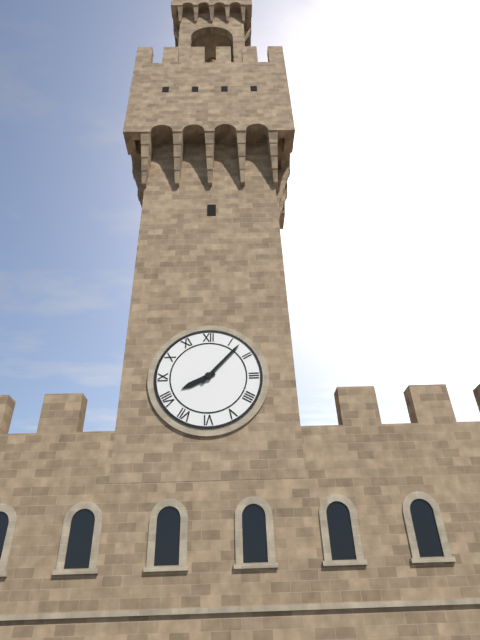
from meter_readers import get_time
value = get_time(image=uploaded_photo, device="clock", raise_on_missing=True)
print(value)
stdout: 8:07
